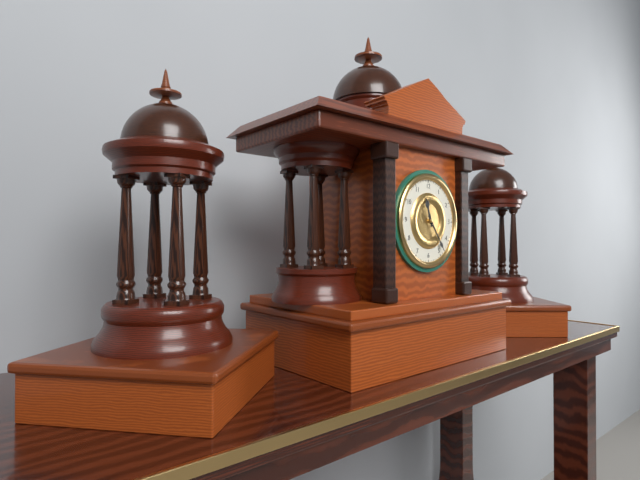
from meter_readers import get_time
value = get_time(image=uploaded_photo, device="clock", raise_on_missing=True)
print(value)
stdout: 11:24
